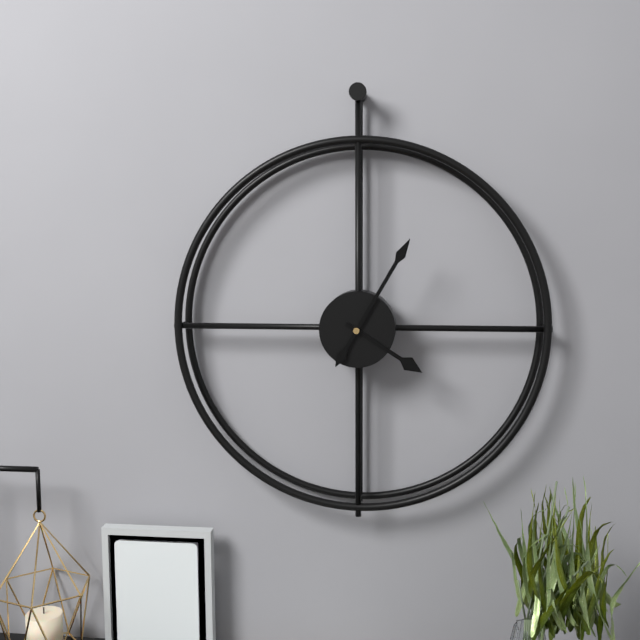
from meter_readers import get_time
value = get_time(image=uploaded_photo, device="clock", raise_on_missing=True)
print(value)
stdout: 4:05
